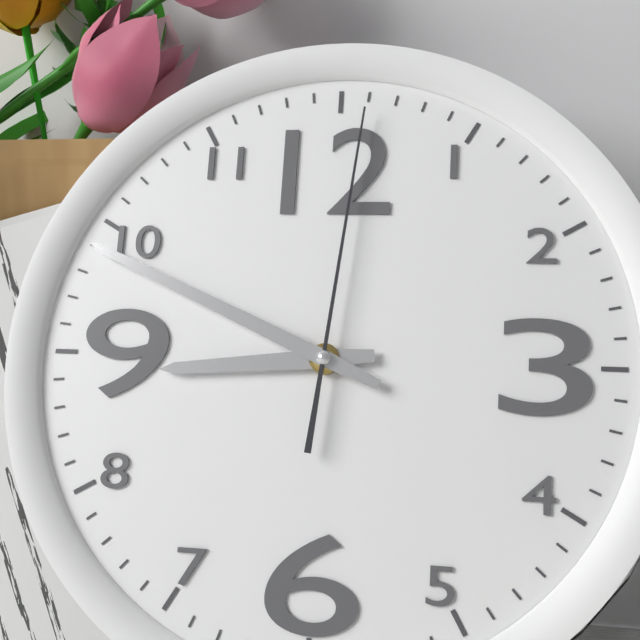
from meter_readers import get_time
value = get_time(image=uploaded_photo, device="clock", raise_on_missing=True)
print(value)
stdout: 8:49:01
